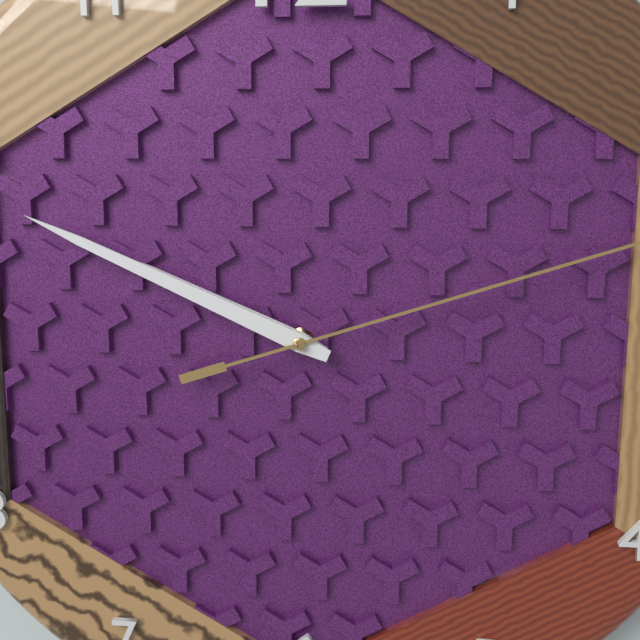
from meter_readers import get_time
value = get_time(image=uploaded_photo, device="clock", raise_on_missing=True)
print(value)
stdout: 9:49
